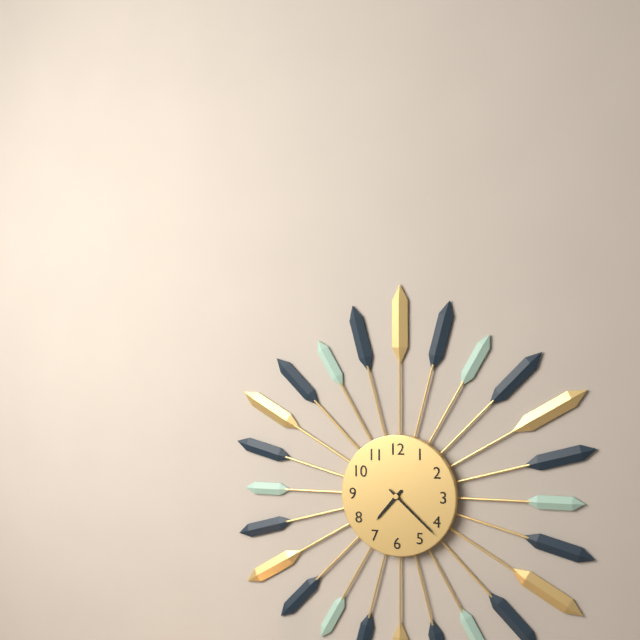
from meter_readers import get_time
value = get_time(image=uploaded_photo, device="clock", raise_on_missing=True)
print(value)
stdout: 7:22
